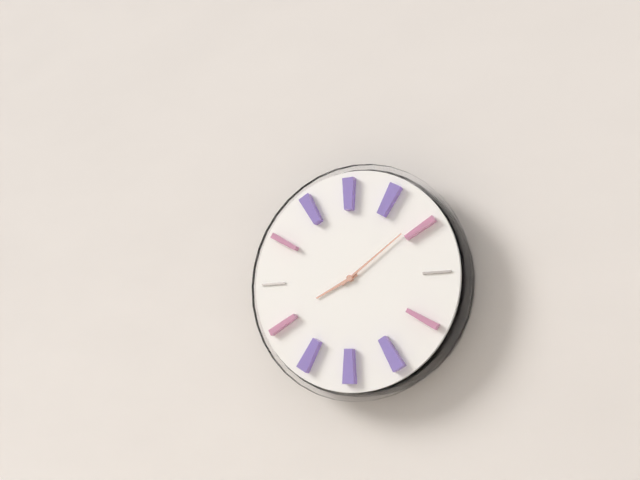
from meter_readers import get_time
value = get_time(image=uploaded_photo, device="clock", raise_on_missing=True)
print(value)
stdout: 8:09
